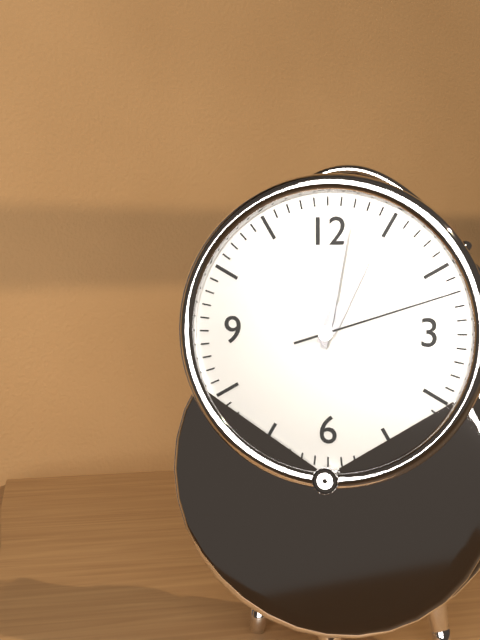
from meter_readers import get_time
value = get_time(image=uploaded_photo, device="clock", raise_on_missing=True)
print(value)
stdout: 1:02:12
